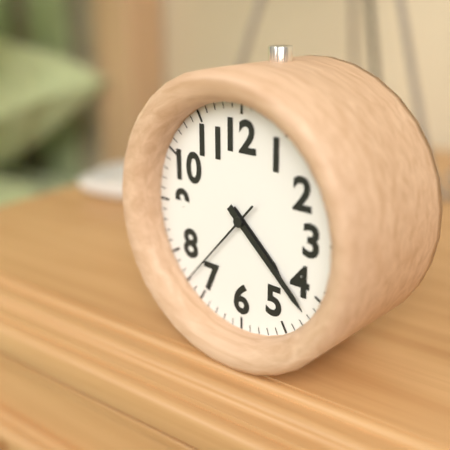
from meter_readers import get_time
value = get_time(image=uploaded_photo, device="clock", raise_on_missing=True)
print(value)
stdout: 4:22:37
